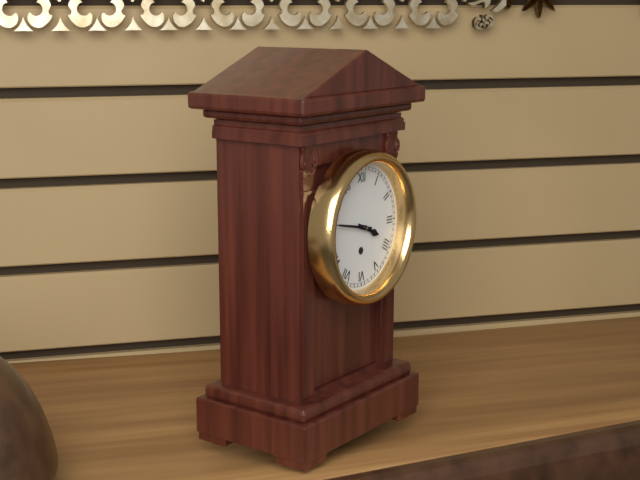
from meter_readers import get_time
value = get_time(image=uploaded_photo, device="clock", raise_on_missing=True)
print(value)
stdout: 3:47
